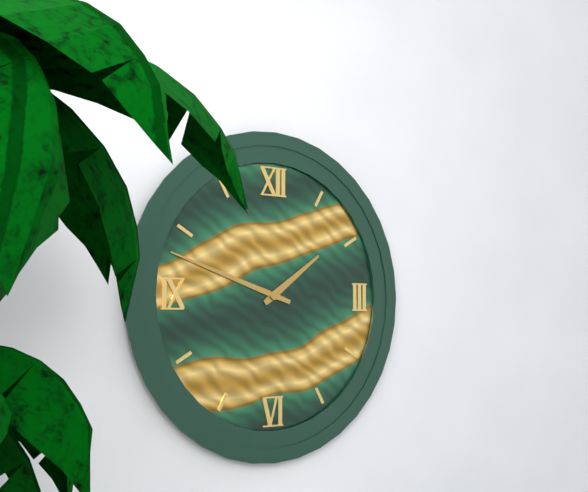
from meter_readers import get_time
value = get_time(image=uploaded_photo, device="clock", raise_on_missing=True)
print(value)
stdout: 1:48
